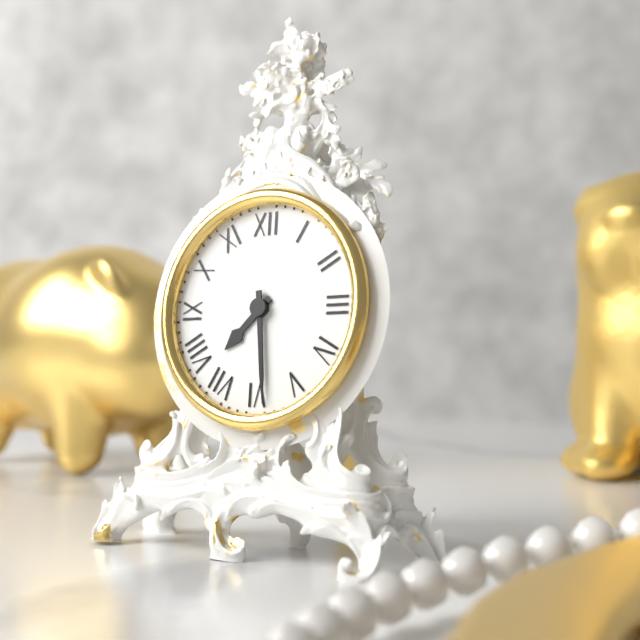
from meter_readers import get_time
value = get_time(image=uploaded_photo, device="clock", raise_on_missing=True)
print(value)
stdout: 7:29
